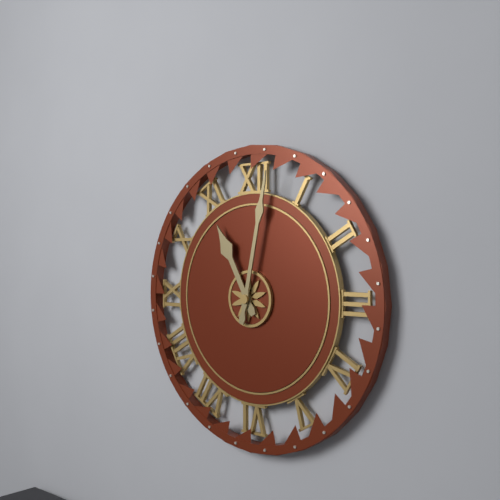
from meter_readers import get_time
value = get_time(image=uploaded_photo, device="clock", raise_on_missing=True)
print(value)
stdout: 11:02
